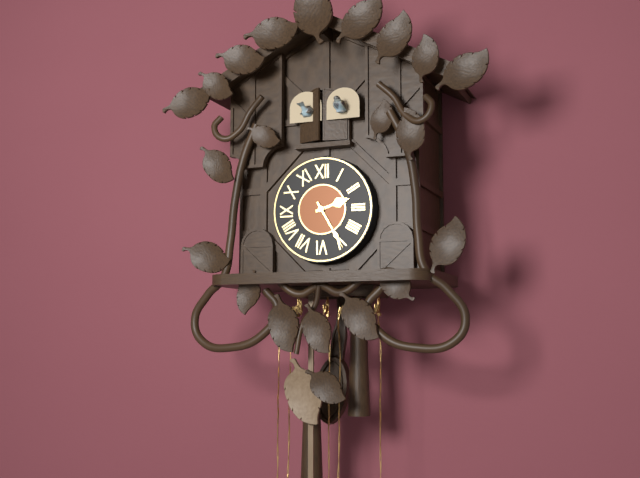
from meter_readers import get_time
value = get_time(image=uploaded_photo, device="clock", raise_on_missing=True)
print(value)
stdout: 2:25
